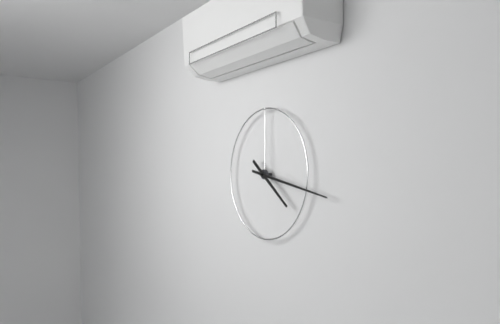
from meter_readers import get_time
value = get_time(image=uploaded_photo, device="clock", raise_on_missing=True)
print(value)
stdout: 4:17
